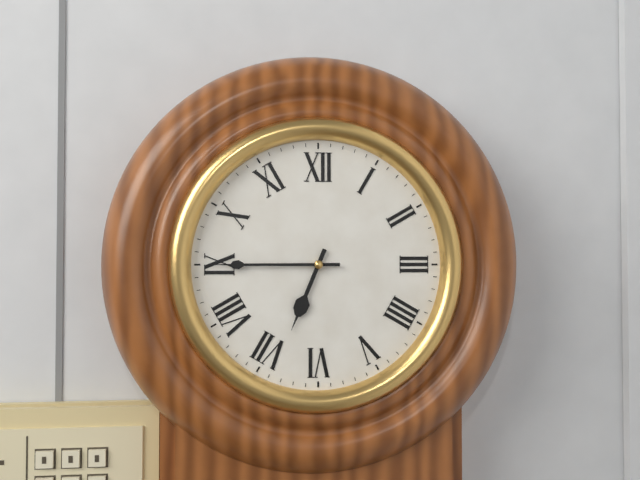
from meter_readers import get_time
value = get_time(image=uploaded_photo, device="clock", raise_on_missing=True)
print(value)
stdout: 6:45
